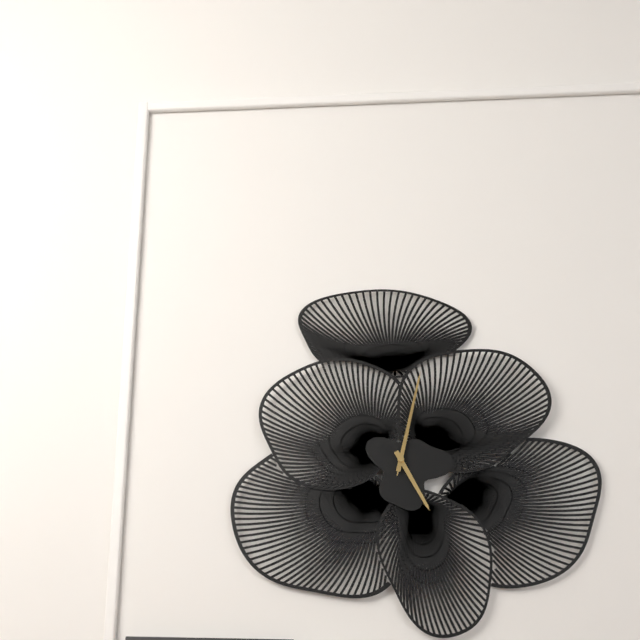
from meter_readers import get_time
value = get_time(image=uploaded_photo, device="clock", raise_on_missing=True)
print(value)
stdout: 5:02:02
